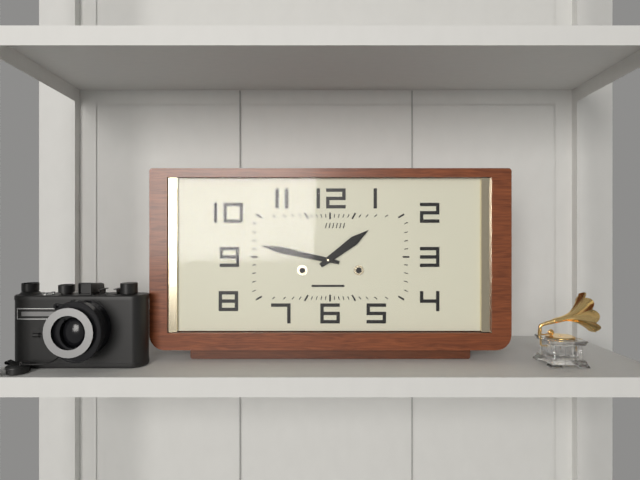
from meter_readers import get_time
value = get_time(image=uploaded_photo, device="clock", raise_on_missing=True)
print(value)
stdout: 1:47
